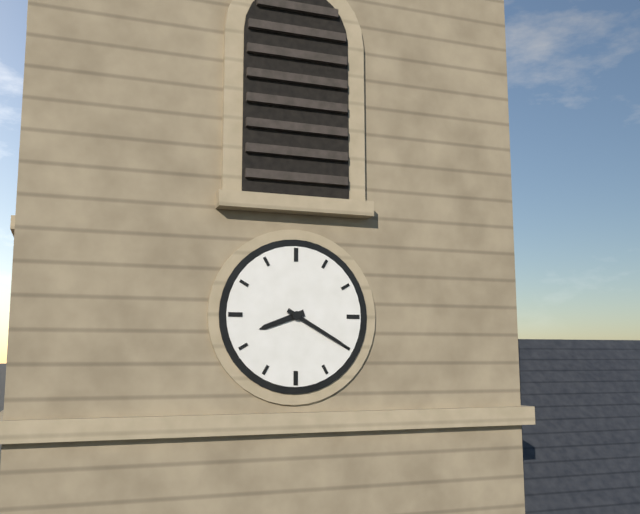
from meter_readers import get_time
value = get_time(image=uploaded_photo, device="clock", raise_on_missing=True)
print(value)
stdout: 8:20
